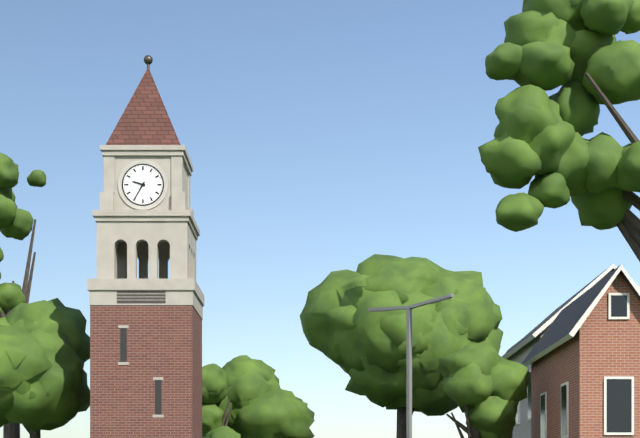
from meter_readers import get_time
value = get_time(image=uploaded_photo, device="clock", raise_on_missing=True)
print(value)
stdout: 9:35
